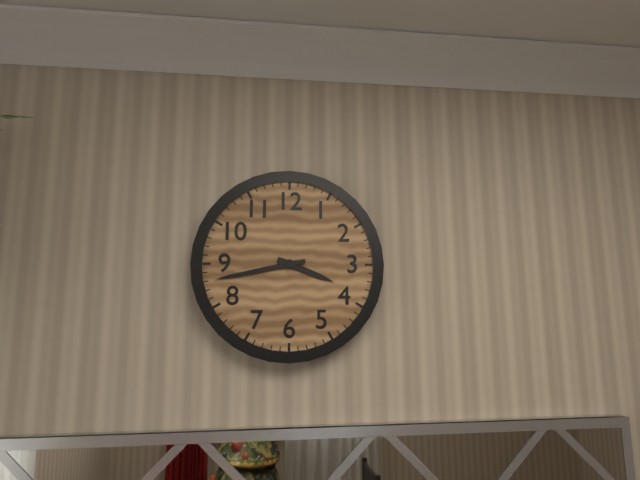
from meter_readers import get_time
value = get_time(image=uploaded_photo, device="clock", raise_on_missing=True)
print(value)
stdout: 3:43
